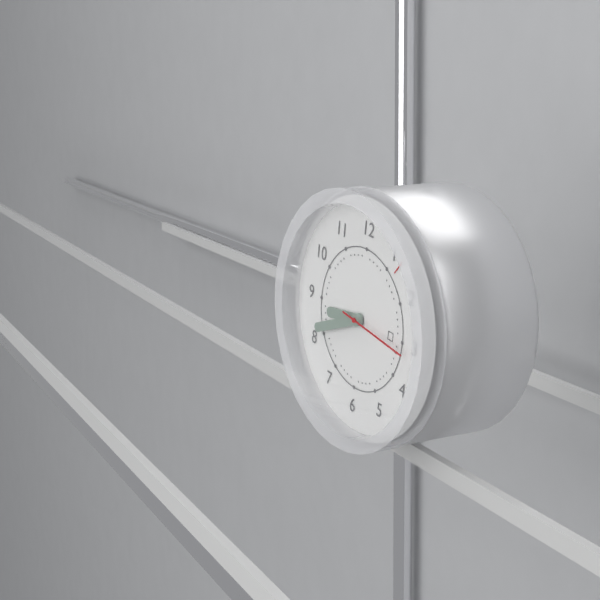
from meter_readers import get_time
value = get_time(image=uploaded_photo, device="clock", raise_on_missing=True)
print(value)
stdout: 8:41:16
